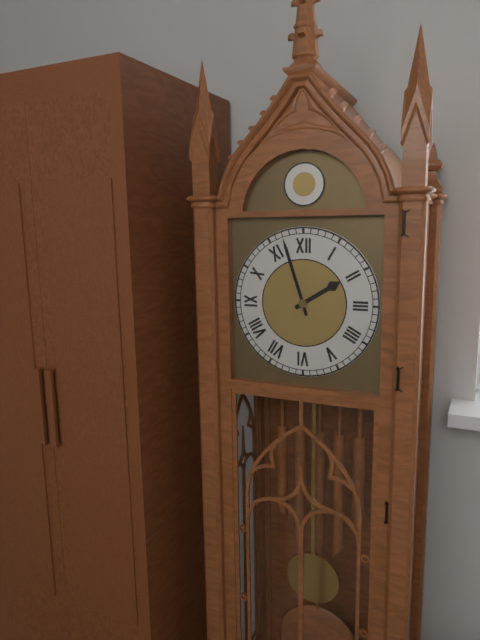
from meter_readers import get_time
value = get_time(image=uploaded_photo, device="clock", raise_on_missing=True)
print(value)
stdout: 1:57
